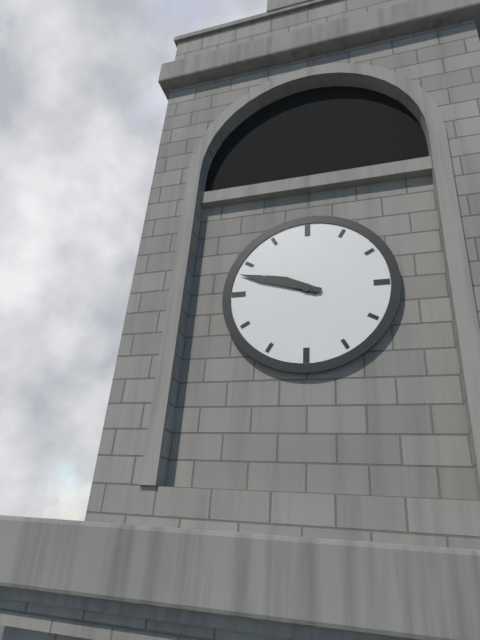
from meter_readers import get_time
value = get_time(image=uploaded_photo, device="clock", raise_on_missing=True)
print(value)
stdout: 9:48
